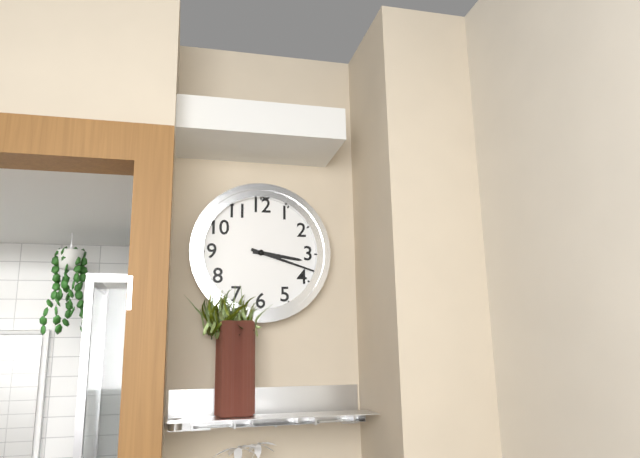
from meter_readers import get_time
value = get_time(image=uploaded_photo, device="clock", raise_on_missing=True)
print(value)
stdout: 3:18
